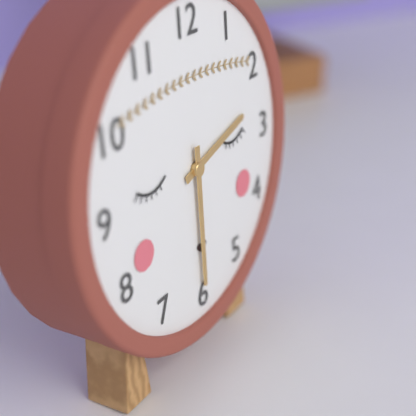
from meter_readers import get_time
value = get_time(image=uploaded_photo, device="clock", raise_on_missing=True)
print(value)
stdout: 2:30
